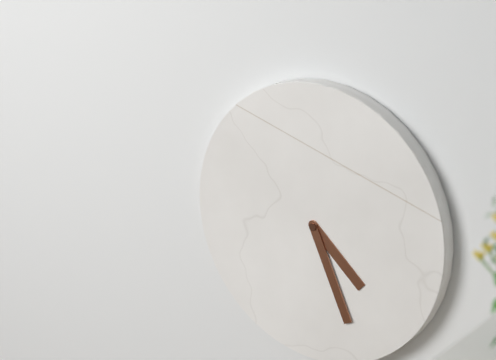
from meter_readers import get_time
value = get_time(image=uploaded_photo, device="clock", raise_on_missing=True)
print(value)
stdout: 4:26
